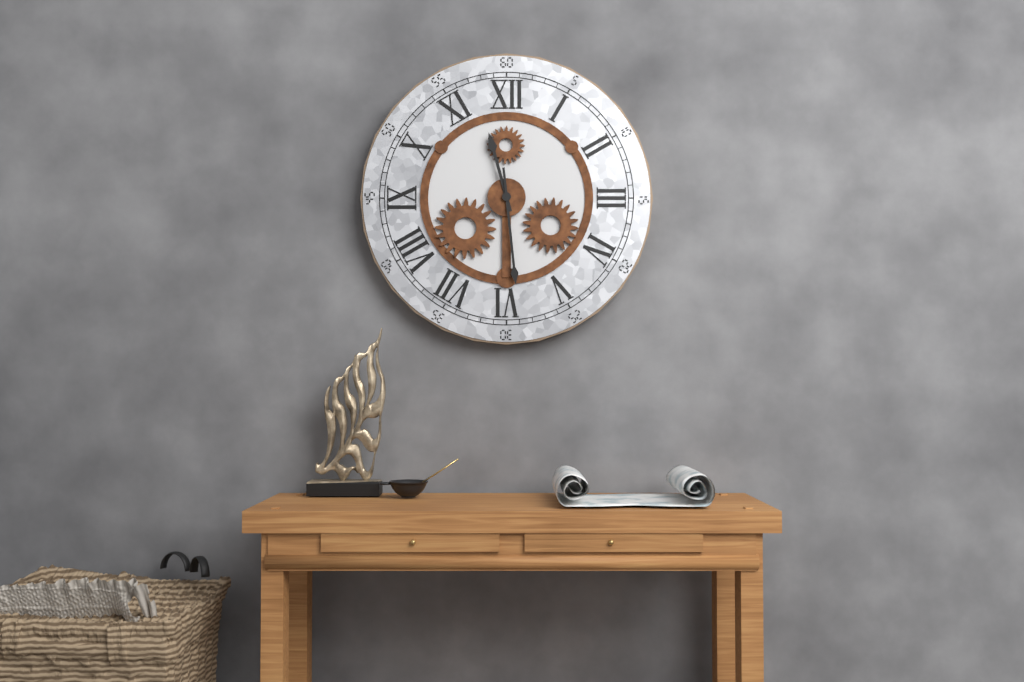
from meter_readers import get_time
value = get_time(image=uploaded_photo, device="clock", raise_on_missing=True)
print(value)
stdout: 11:29
